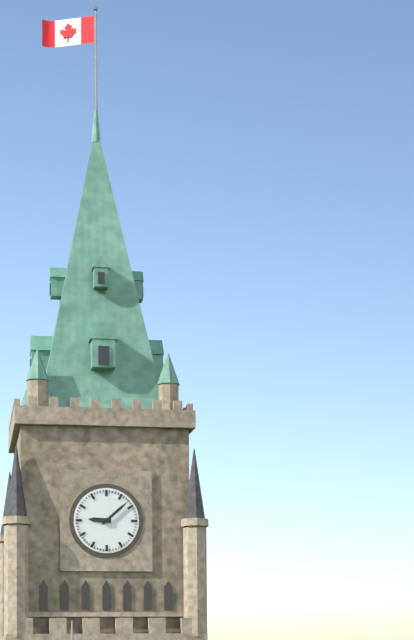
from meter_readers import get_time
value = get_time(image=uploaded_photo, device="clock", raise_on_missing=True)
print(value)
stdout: 9:08
